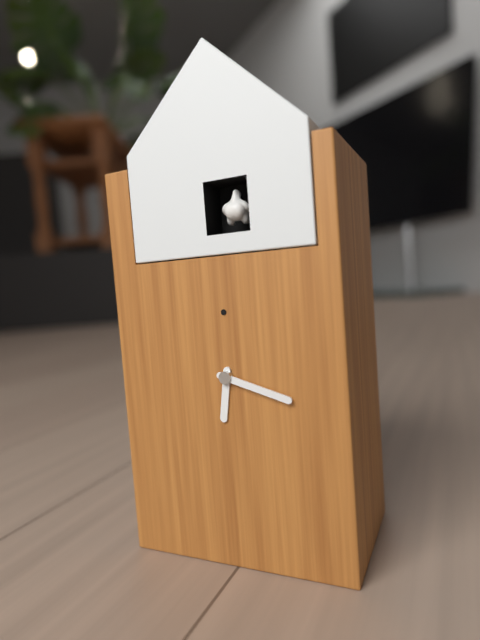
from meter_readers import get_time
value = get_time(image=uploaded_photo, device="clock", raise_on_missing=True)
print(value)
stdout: 6:18
